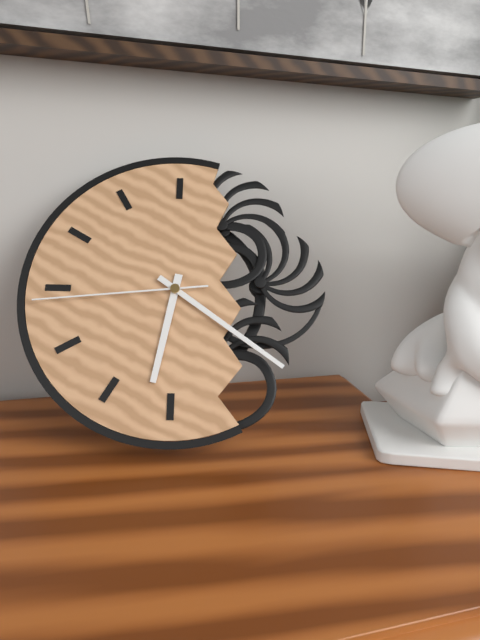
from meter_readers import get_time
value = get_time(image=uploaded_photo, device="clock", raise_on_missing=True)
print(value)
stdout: 6:21:44
